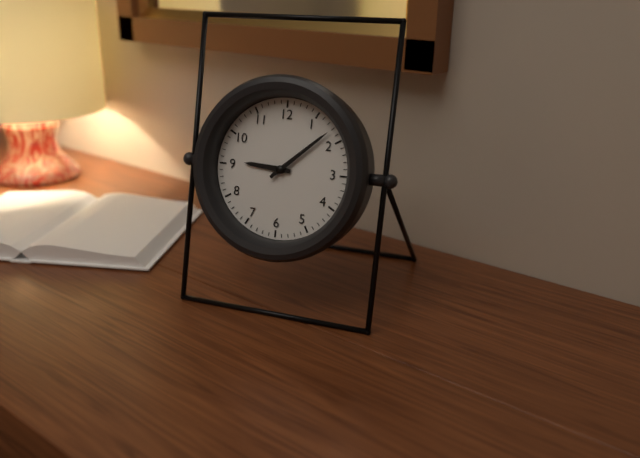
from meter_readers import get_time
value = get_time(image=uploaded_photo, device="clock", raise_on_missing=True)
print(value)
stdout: 9:08
